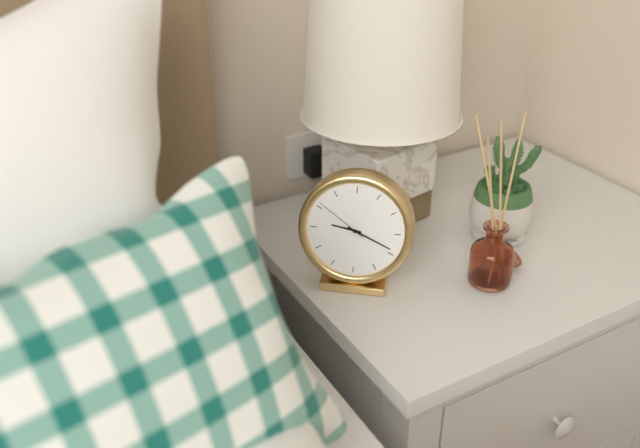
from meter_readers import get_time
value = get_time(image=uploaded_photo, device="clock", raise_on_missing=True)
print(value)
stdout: 9:19:51
